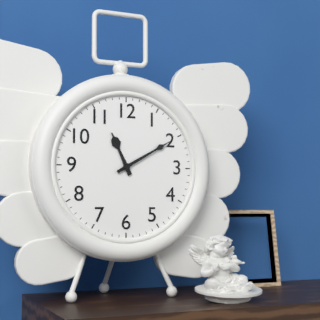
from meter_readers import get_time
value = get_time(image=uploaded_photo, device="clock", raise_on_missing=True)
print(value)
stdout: 11:10
